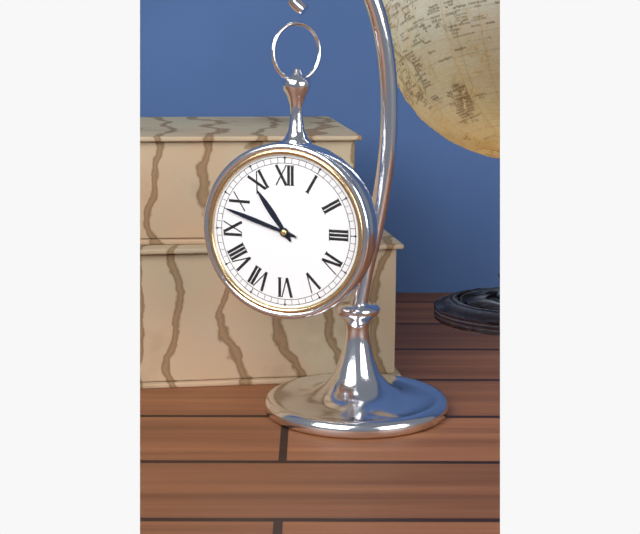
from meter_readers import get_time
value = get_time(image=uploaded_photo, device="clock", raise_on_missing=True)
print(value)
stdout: 10:48
